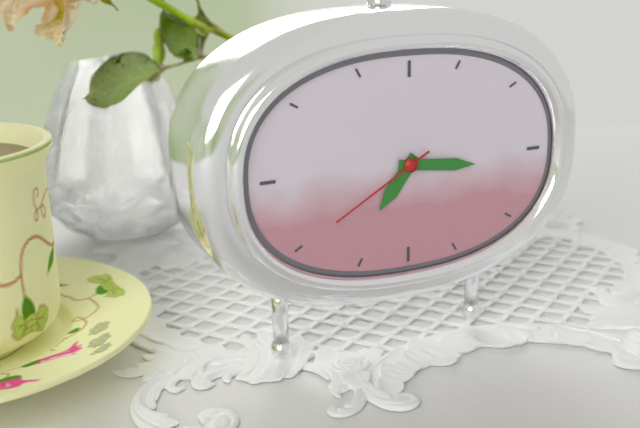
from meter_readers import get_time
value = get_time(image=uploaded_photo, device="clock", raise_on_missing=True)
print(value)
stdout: 7:16:40
